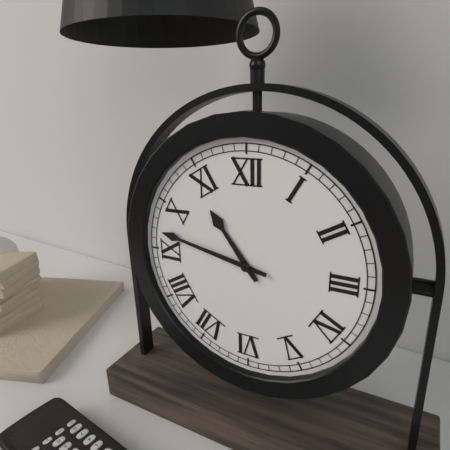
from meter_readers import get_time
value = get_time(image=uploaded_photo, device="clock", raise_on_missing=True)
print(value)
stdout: 10:47
